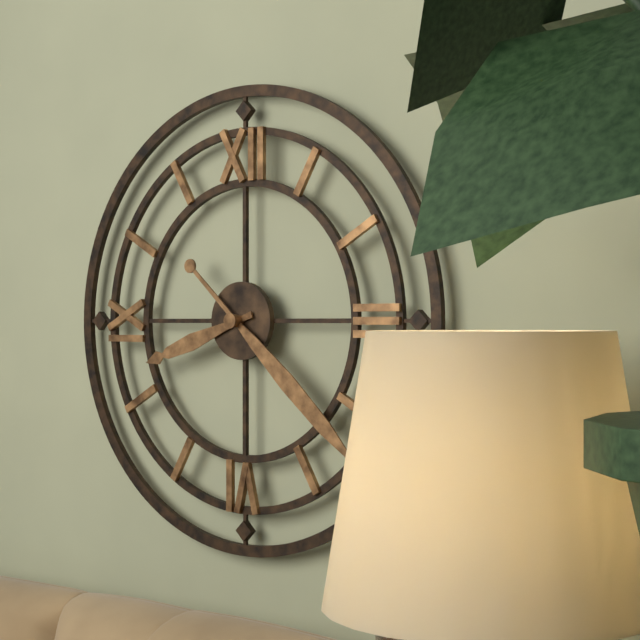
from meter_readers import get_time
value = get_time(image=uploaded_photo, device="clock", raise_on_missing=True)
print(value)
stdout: 8:22
